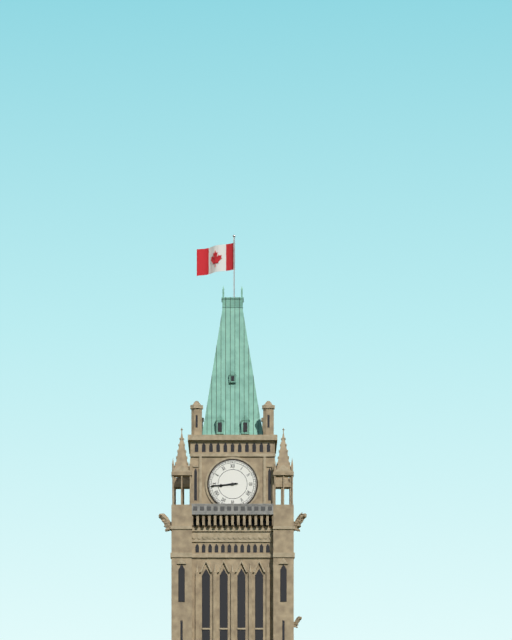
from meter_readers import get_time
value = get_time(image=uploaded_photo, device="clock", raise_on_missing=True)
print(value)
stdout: 8:44
